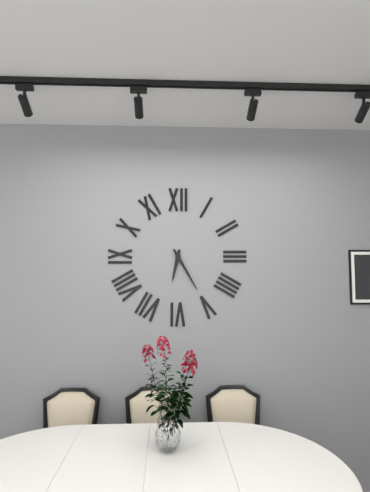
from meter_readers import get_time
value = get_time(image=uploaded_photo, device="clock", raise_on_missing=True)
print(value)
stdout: 6:25
